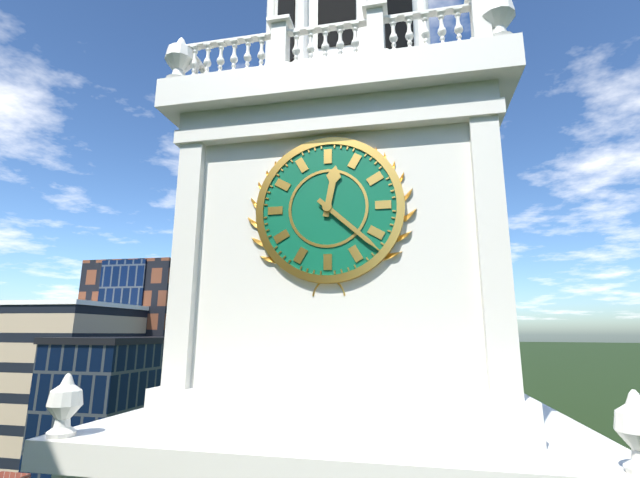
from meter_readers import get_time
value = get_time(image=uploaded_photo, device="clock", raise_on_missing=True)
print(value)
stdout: 12:22
